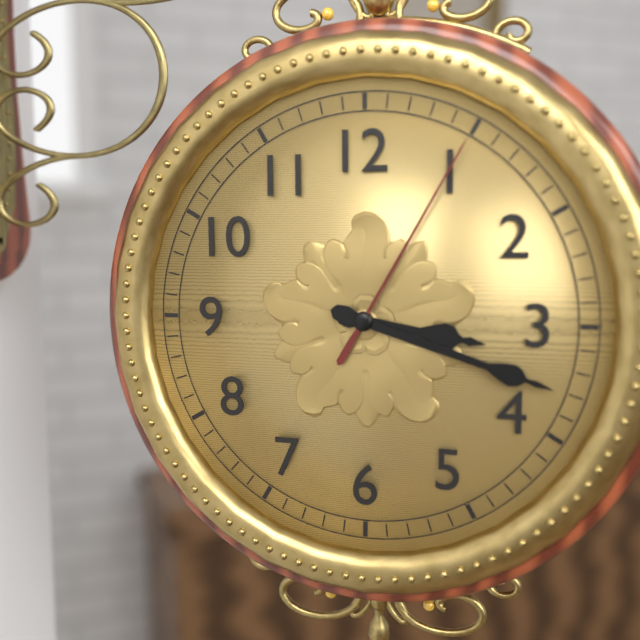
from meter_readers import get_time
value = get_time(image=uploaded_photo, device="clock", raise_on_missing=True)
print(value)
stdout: 3:18:05
